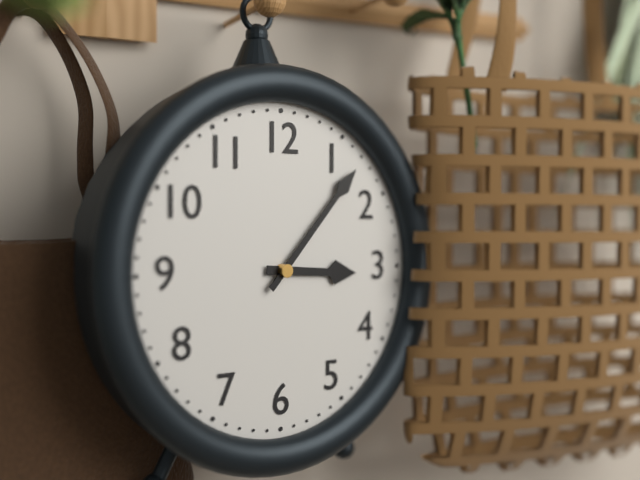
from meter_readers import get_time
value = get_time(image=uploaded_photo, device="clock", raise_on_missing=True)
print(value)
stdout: 3:07
